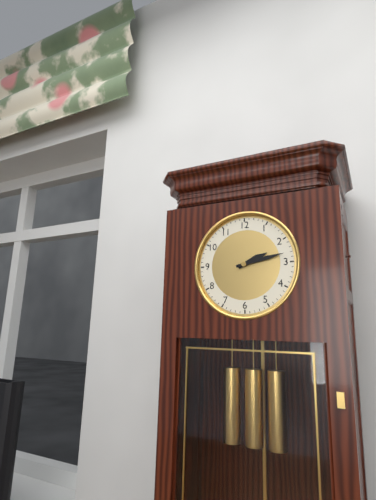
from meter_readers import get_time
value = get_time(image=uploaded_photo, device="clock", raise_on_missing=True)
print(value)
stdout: 2:13
